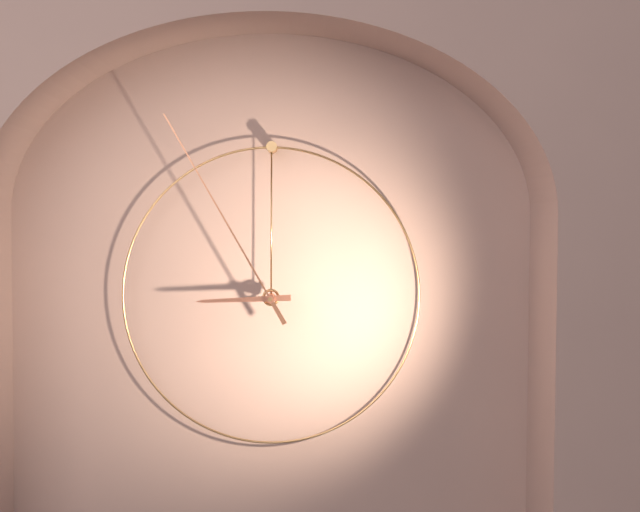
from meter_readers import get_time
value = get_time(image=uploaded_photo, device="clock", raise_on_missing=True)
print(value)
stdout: 8:55
